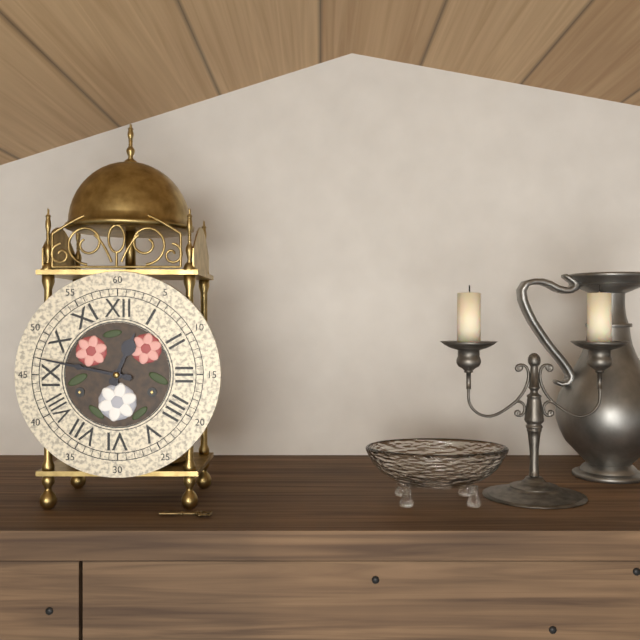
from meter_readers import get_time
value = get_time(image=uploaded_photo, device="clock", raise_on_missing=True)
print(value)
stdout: 12:47
